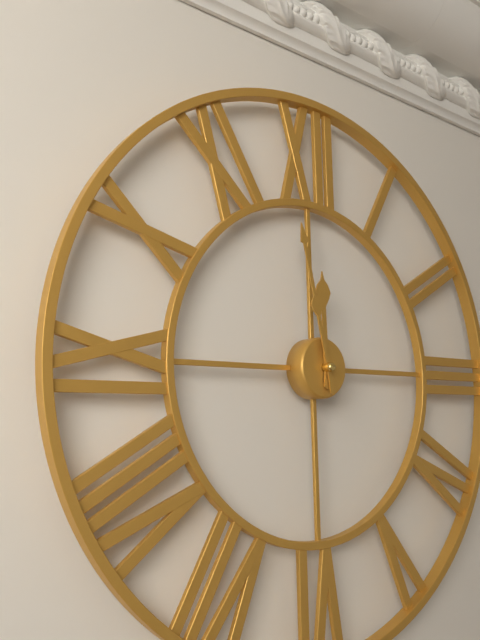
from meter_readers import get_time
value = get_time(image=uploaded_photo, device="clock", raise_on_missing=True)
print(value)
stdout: 11:58
